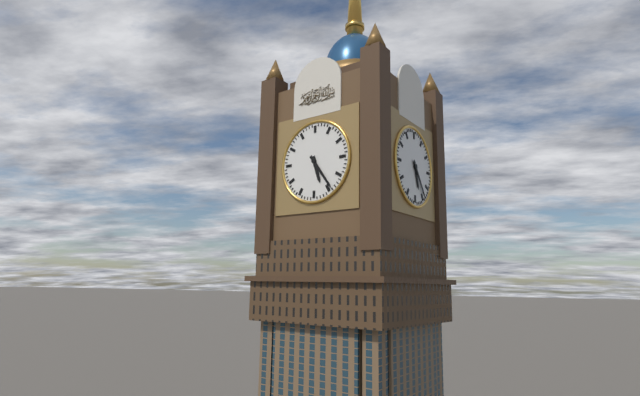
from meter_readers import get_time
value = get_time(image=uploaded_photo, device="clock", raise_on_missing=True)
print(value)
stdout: 5:24
